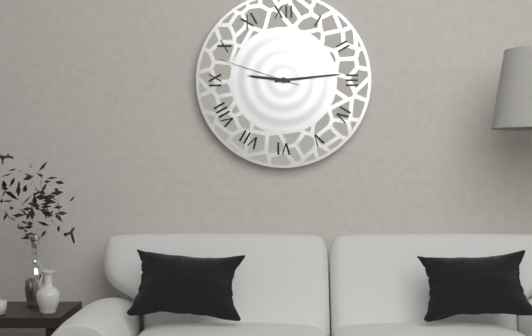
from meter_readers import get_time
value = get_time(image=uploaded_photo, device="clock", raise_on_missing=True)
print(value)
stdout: 9:14:48
